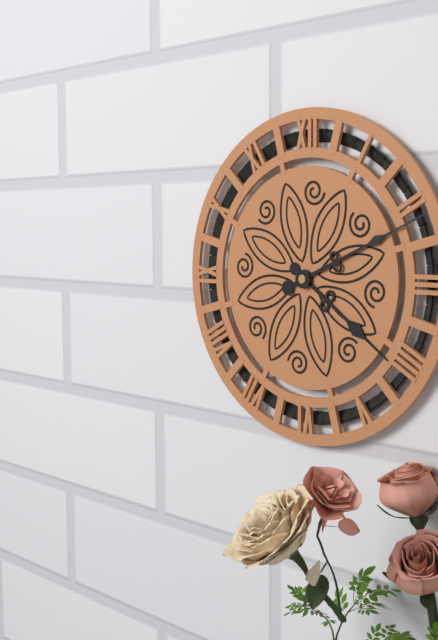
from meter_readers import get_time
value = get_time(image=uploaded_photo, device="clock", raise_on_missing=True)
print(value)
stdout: 4:11
